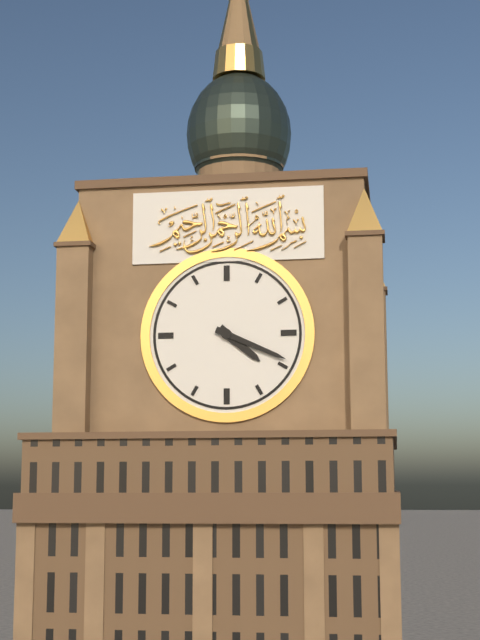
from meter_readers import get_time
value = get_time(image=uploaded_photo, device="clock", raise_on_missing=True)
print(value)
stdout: 4:19
